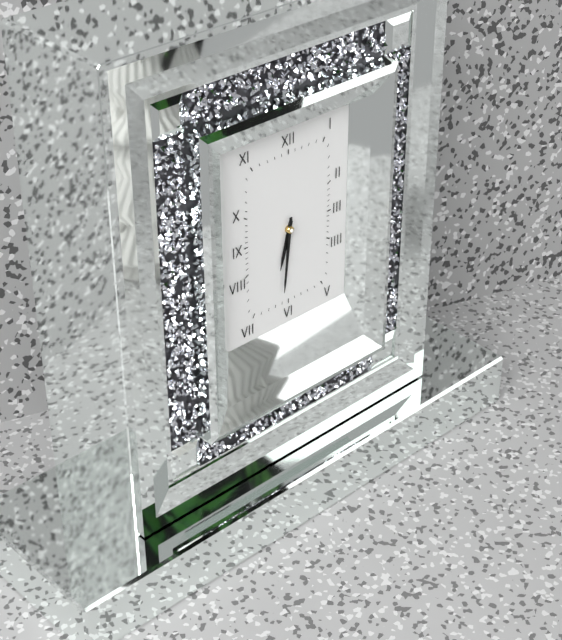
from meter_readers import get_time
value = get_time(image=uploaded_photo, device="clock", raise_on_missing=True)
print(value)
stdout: 6:31
